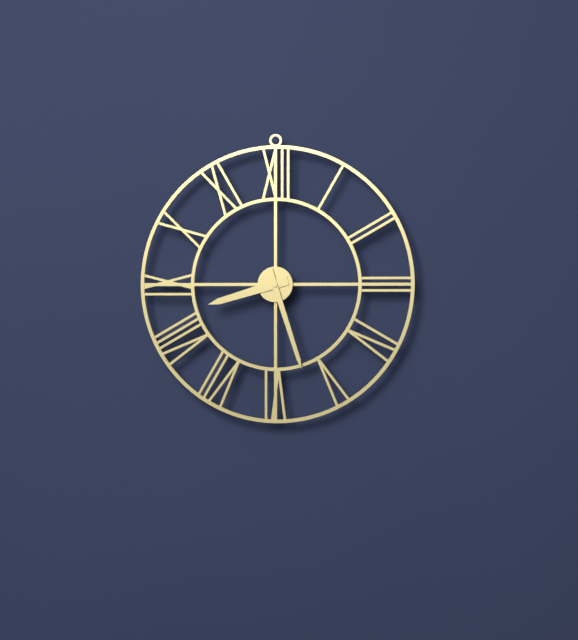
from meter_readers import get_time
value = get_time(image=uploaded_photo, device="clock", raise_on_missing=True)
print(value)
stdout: 8:27
